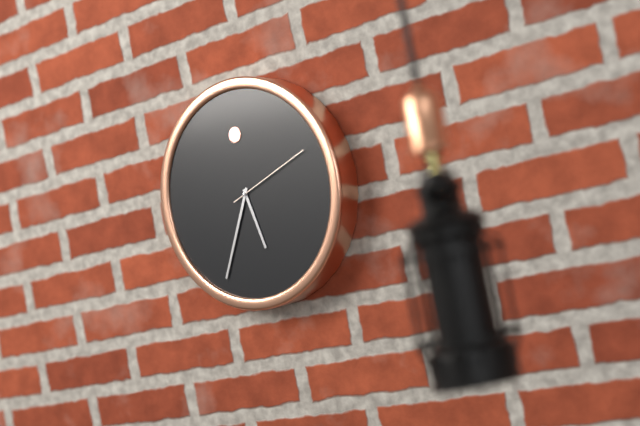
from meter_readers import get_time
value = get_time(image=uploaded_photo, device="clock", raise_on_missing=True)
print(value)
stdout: 5:35:12
